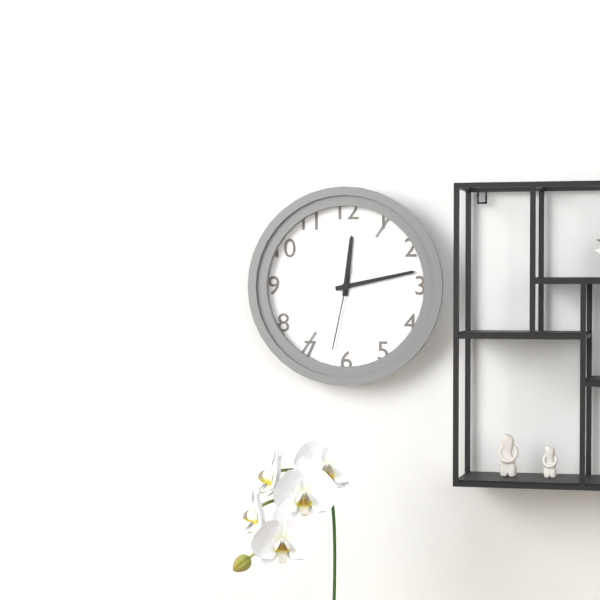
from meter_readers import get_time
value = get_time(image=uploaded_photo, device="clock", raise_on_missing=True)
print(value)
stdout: 12:13:32
